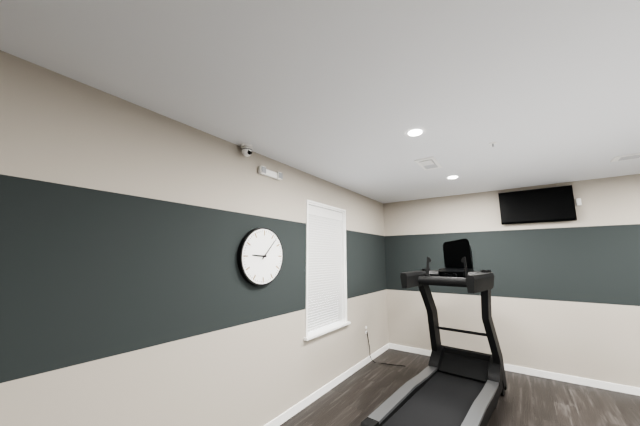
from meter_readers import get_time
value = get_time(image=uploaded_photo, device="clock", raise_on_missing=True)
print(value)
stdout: 9:07
